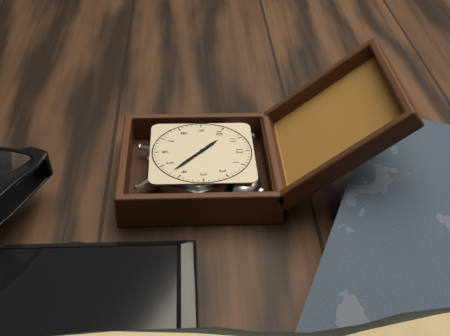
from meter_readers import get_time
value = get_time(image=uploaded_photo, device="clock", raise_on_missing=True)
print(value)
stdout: 10:22
